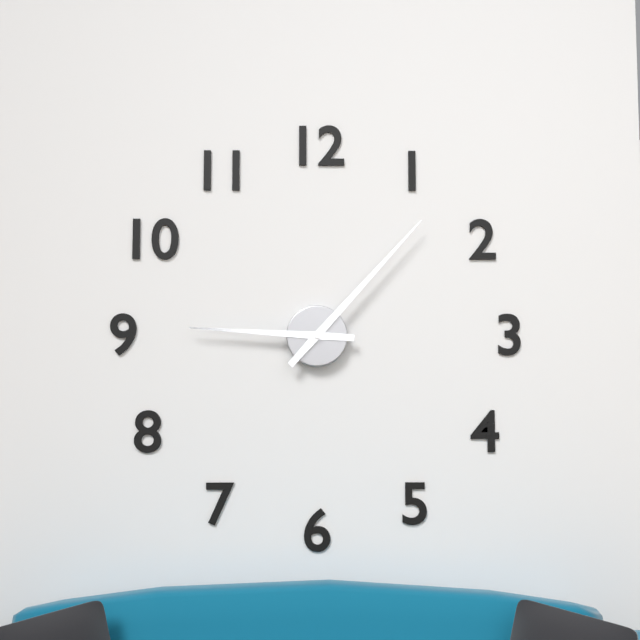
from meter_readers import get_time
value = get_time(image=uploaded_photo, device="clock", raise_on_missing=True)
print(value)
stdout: 9:07
